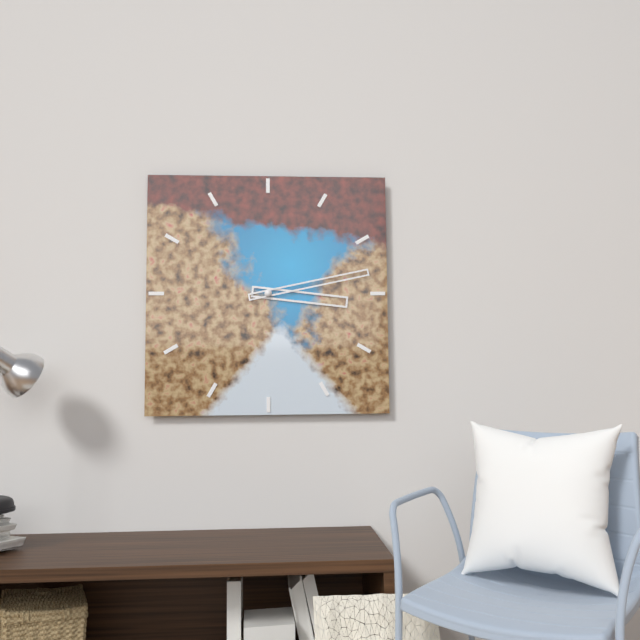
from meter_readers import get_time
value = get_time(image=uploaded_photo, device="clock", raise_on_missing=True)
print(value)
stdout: 3:13
